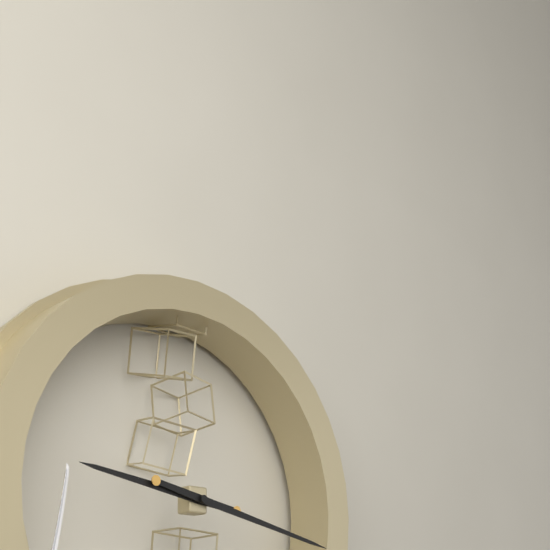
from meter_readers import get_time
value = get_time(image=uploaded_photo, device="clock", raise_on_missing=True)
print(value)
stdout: 9:17
